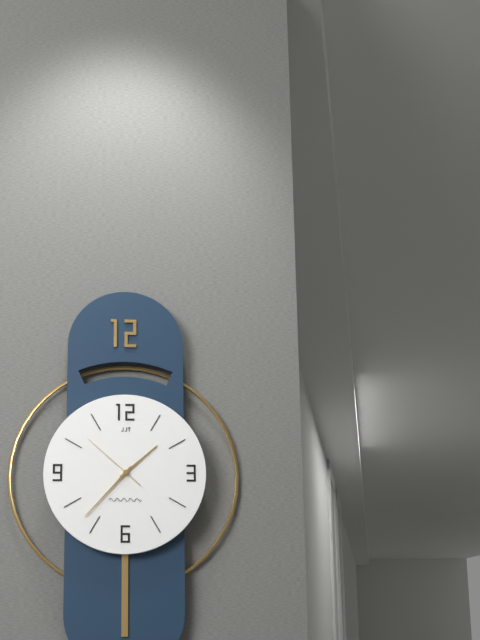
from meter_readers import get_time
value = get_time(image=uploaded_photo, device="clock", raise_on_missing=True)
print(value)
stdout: 1:37:52
